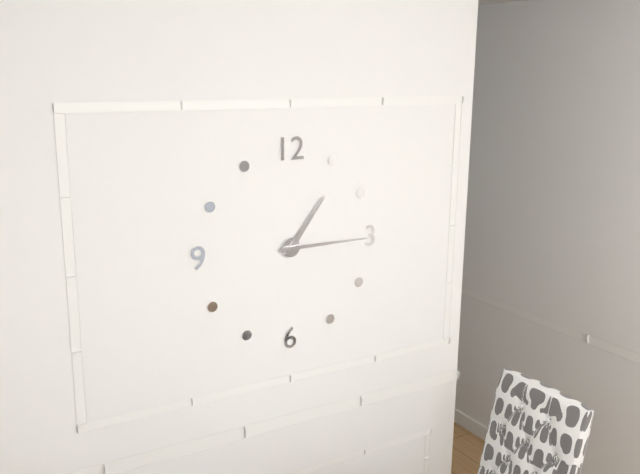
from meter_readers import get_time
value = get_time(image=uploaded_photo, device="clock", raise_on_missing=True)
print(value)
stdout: 1:15
